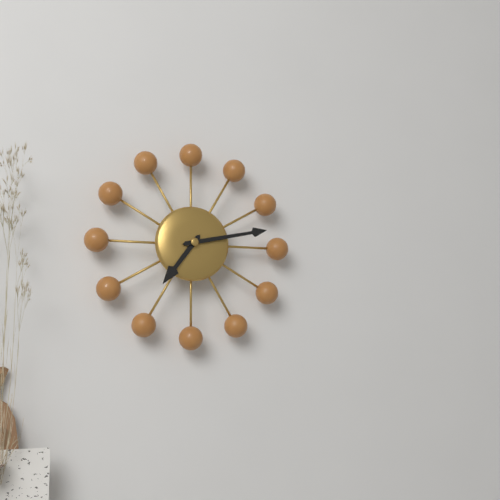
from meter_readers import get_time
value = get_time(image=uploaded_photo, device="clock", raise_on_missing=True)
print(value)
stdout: 7:13
